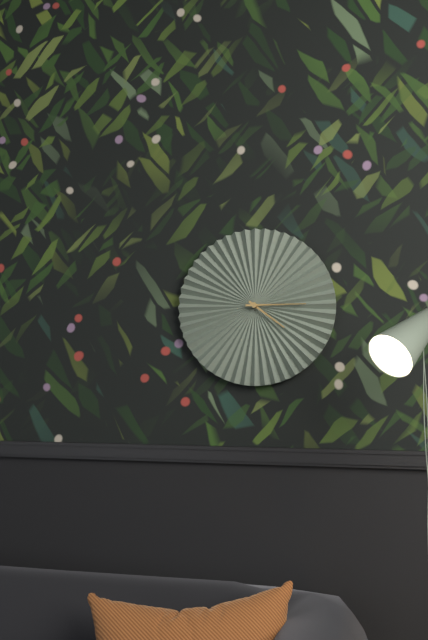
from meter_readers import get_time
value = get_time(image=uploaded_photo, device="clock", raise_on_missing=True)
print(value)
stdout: 4:15
